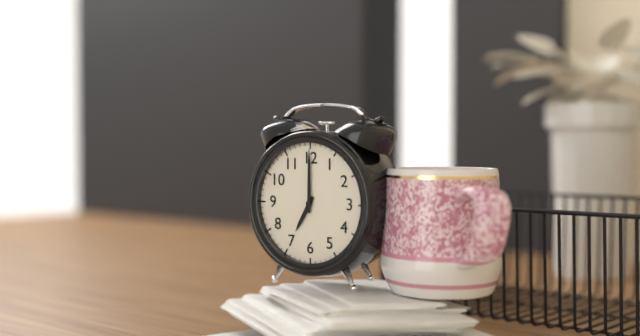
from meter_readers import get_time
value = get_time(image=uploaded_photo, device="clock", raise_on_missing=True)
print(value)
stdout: 7:00
